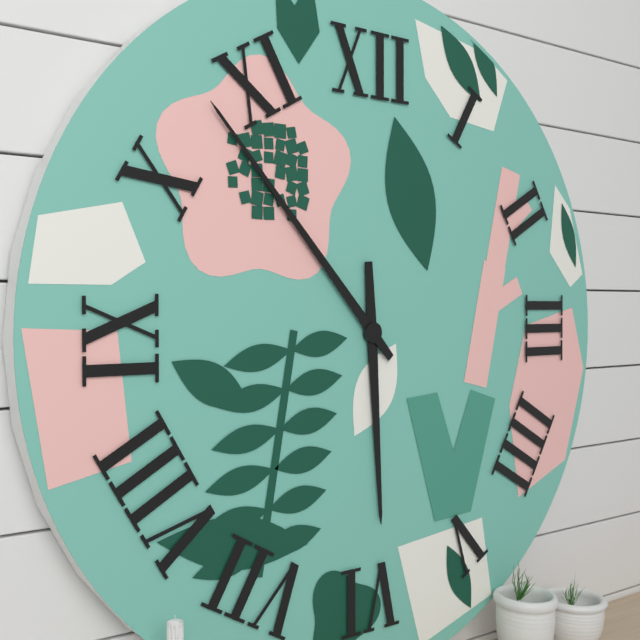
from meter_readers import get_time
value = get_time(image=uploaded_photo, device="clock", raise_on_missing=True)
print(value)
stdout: 5:53
